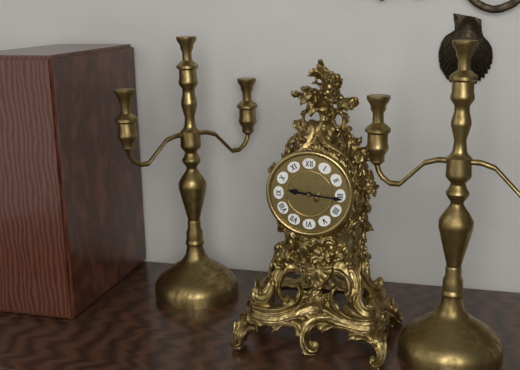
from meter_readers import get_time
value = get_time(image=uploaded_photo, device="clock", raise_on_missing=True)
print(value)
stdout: 9:16
